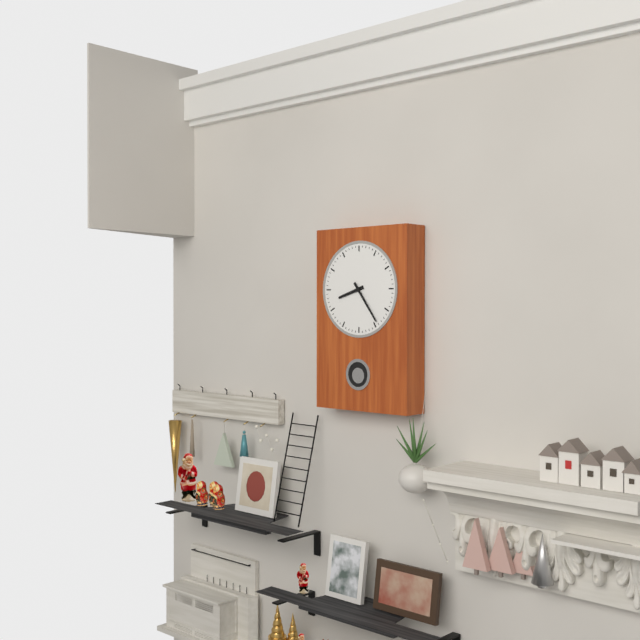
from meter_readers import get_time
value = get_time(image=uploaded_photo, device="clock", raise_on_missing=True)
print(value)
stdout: 8:24
